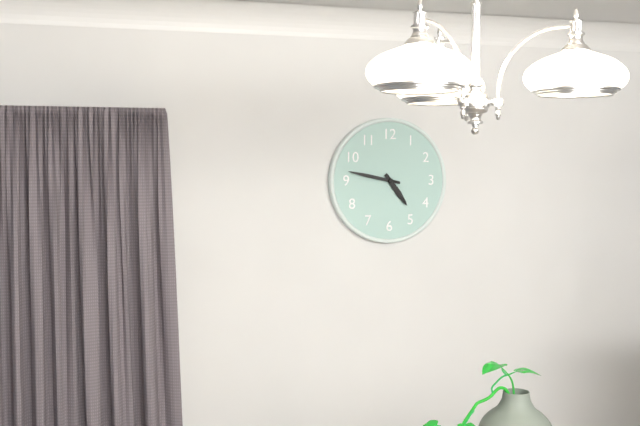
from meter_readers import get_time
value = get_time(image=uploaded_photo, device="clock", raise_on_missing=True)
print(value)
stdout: 4:47
